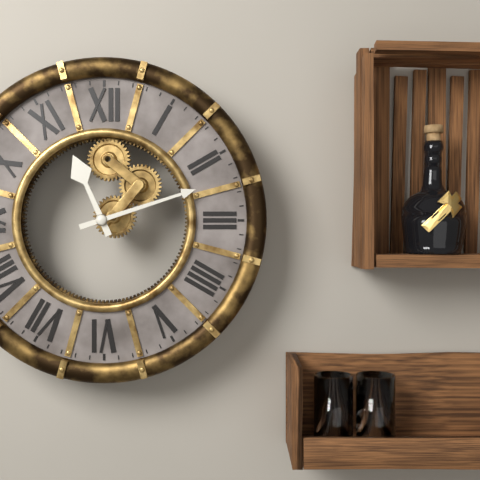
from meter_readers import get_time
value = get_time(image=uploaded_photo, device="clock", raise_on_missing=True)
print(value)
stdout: 11:12
